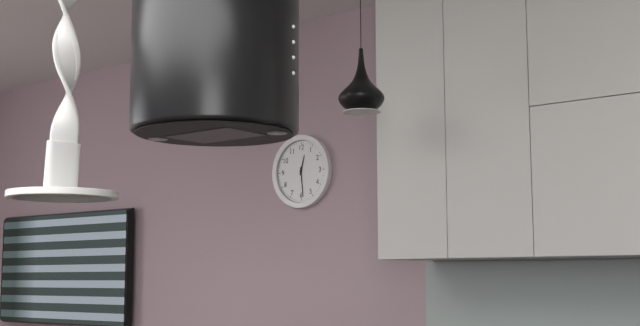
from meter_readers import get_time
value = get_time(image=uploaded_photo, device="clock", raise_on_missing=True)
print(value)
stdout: 12:29
